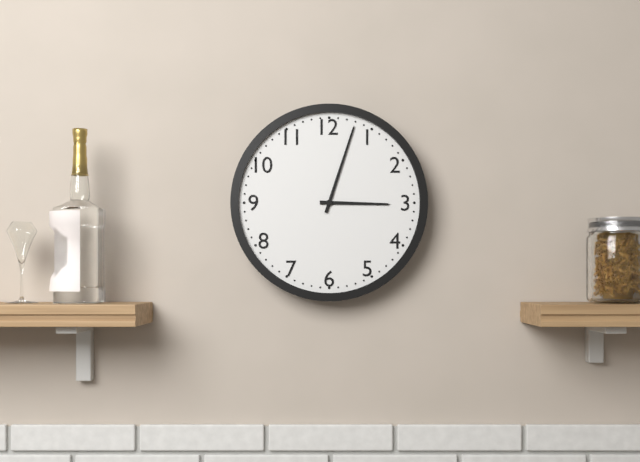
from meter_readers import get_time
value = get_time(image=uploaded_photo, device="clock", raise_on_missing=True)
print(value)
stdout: 3:03
